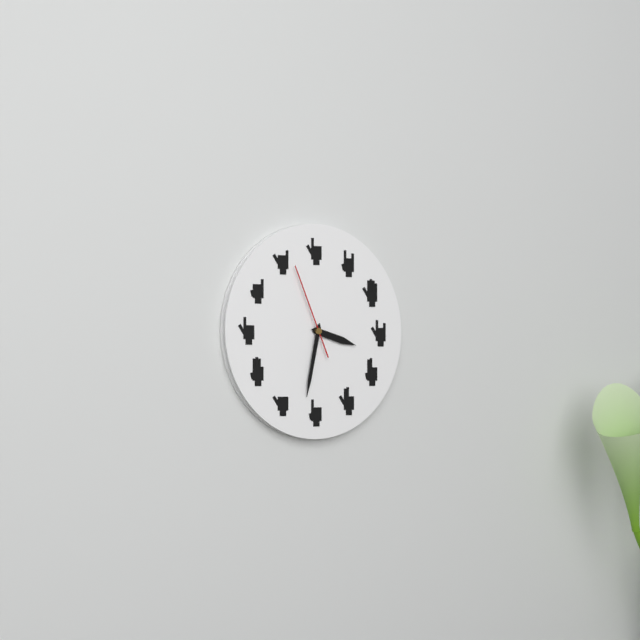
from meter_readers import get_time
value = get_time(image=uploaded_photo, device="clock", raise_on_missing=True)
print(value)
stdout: 3:32:56
